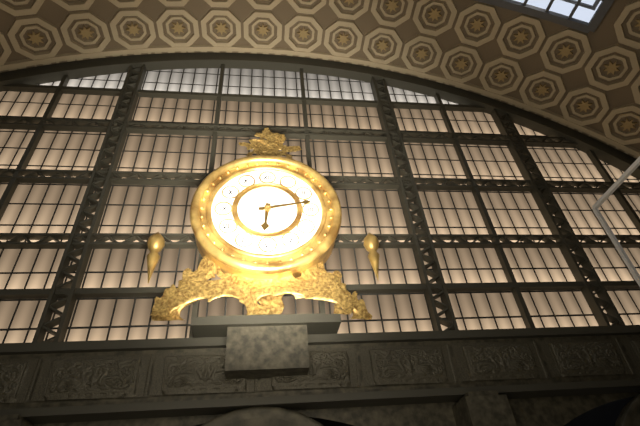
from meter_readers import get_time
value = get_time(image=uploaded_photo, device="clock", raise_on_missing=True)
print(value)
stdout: 6:13
